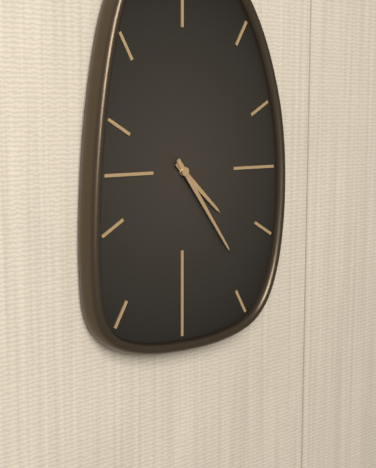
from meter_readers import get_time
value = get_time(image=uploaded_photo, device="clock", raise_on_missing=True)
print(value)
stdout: 4:24
